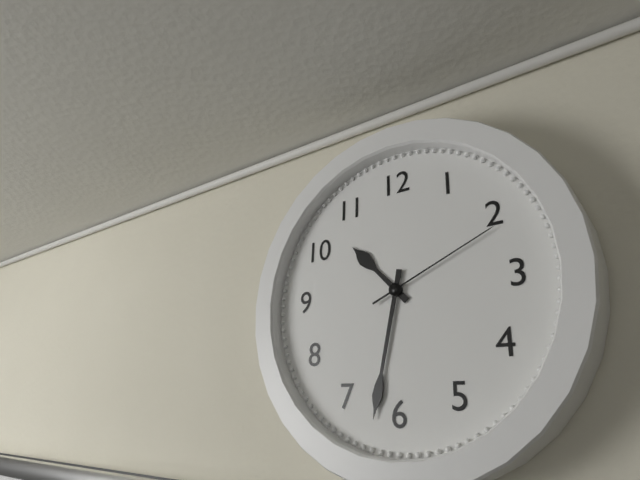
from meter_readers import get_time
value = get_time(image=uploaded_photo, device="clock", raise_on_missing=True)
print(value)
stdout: 10:32:11
